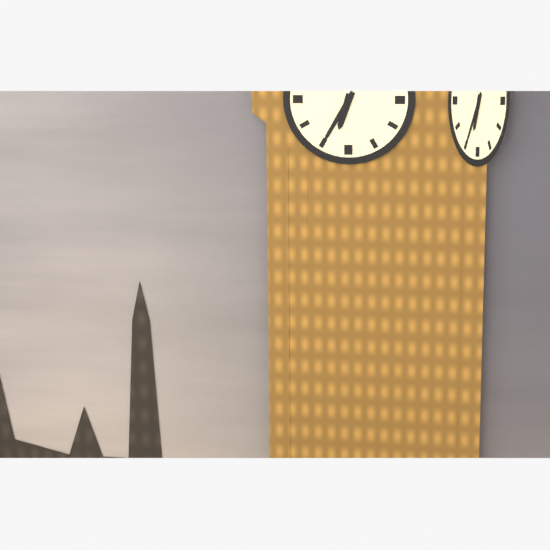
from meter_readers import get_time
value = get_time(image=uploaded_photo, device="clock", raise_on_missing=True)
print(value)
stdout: 6:35
